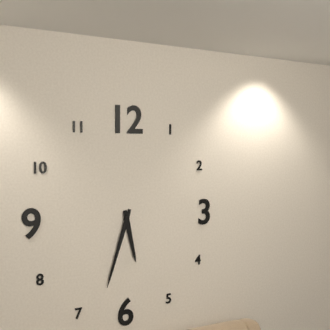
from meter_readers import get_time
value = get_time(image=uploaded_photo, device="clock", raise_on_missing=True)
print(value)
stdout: 5:33
